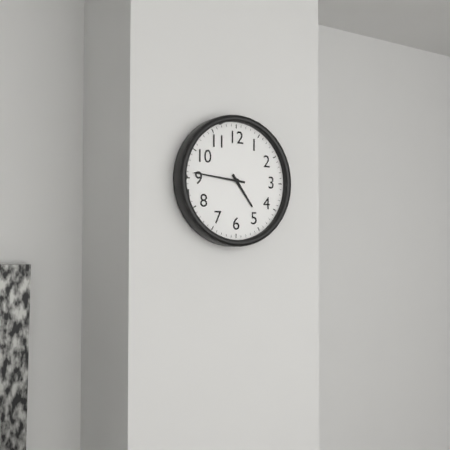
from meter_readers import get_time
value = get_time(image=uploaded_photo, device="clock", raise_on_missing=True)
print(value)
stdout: 4:46
